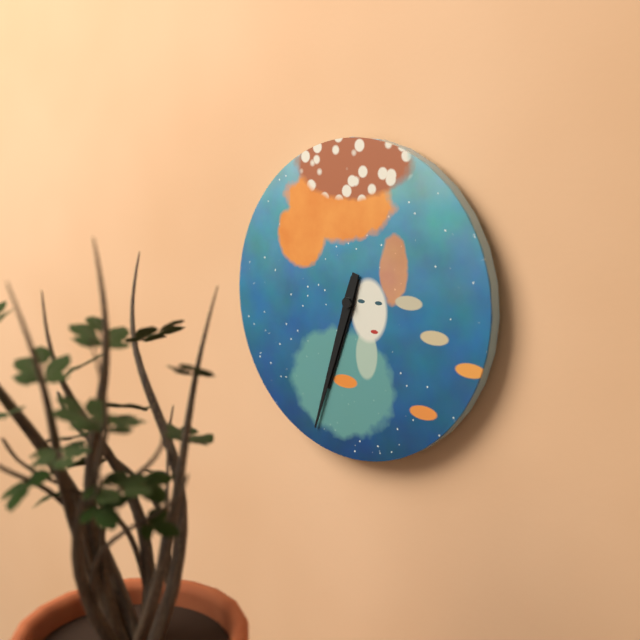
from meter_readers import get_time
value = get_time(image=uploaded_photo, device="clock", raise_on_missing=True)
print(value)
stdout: 6:33
